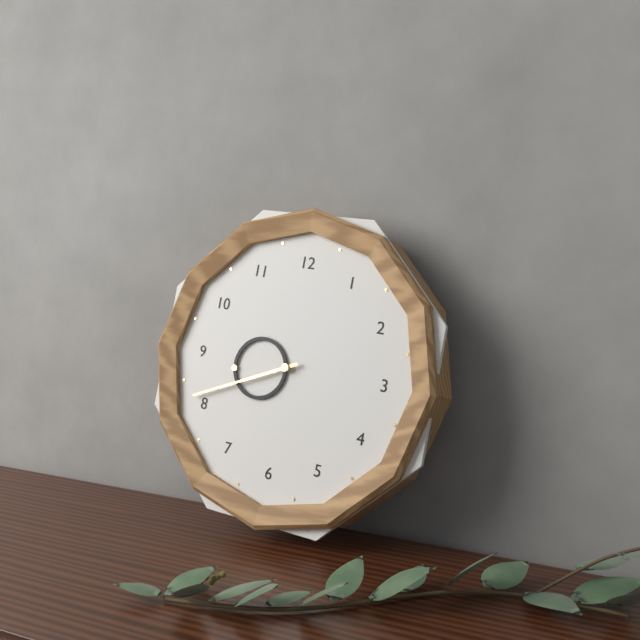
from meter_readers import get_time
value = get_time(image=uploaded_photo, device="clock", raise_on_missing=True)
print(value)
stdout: 8:41
